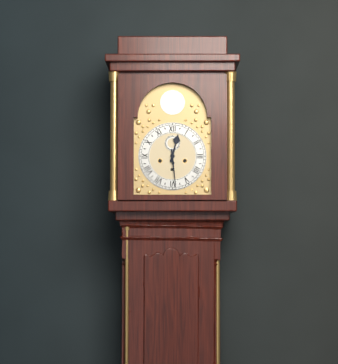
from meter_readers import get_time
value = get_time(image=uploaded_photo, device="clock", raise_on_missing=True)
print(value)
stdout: 12:29
